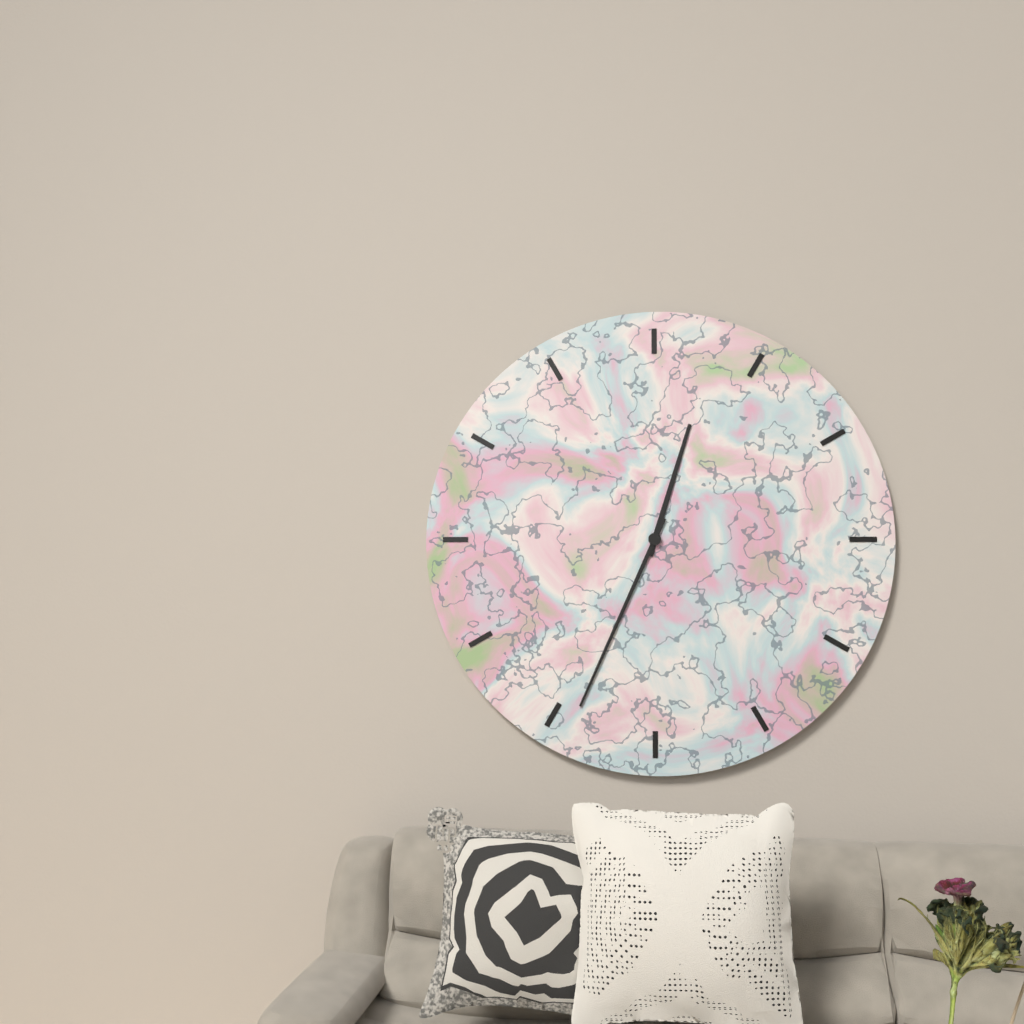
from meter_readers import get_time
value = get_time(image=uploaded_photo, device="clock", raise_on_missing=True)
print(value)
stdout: 12:34
